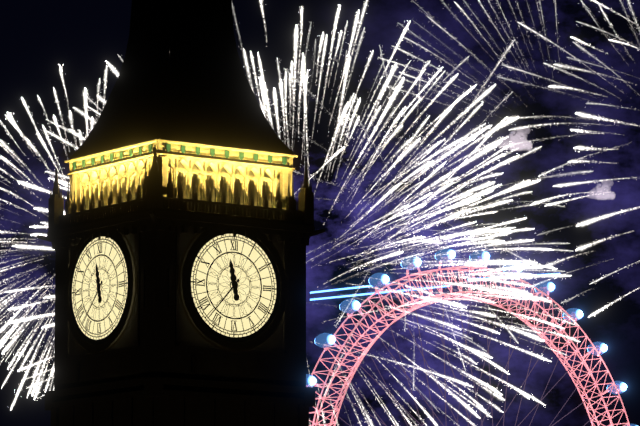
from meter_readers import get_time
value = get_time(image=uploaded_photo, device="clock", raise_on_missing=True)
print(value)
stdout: 11:37
